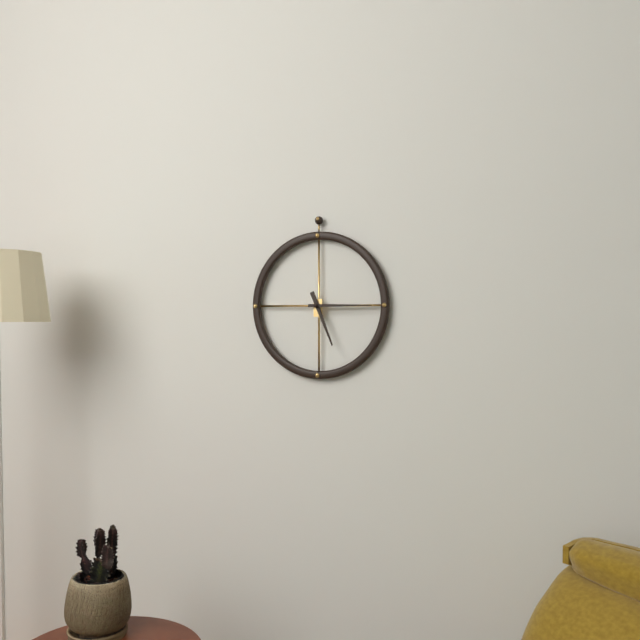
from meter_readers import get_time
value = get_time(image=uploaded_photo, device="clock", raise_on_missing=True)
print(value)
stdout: 5:15
